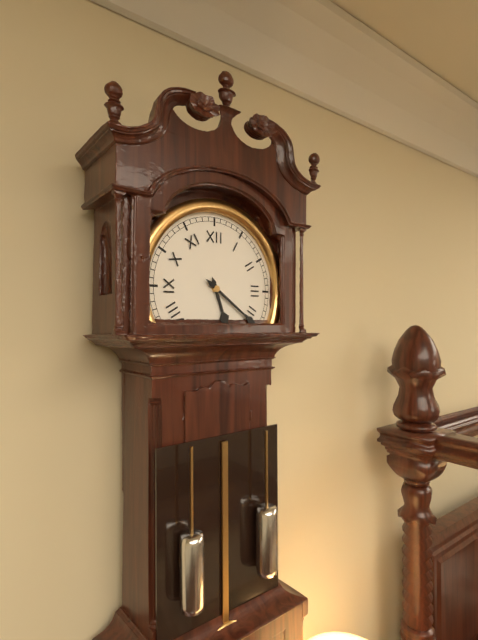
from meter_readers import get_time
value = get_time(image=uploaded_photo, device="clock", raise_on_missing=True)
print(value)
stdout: 5:21
